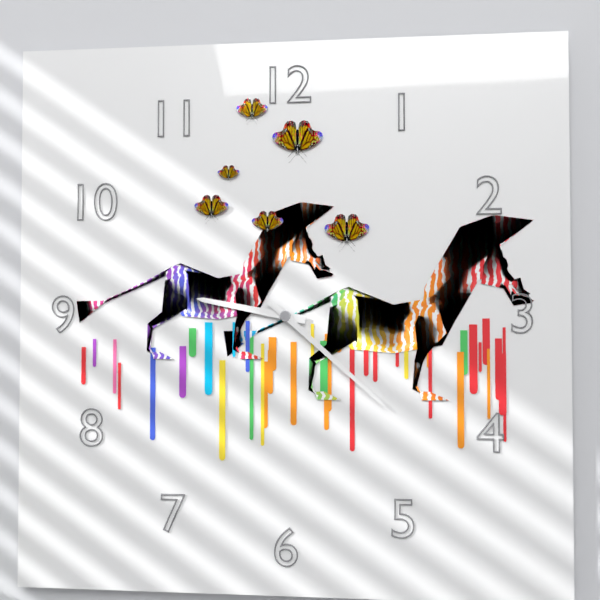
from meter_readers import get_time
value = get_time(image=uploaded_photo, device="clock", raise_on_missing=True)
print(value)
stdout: 9:22
